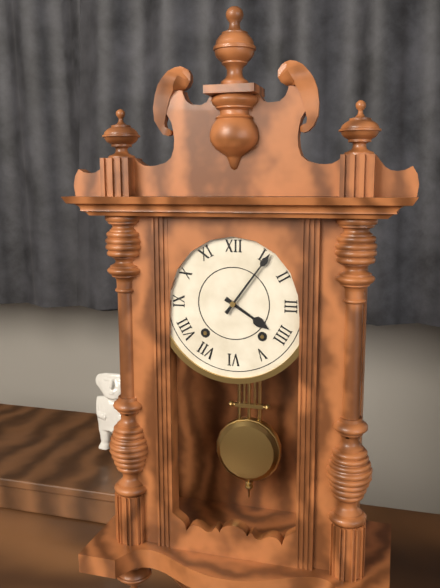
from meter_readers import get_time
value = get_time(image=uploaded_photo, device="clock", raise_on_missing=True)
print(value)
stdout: 4:06
